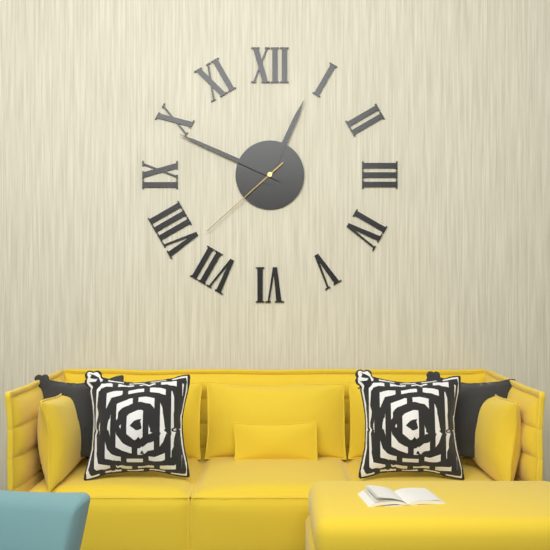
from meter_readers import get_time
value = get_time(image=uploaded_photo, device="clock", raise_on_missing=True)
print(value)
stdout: 12:49:38
